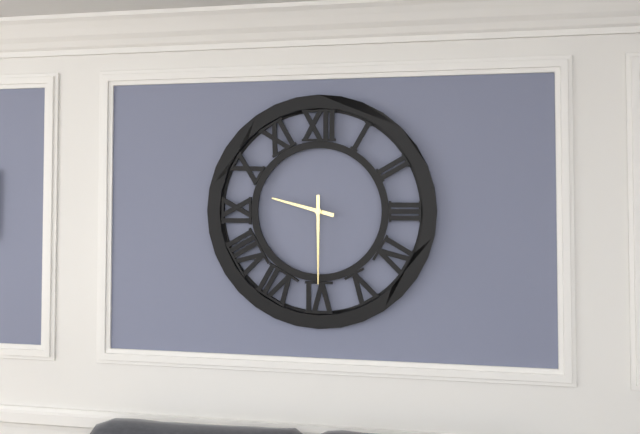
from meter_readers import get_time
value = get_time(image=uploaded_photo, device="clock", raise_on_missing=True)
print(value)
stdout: 9:30
